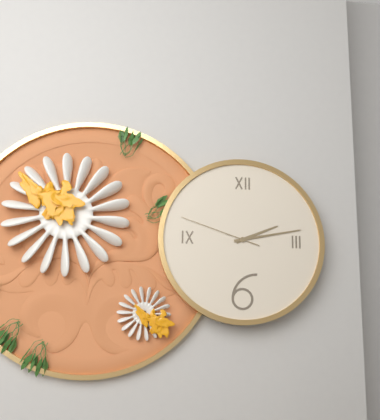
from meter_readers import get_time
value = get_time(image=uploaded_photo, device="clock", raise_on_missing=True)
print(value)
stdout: 2:13:48
